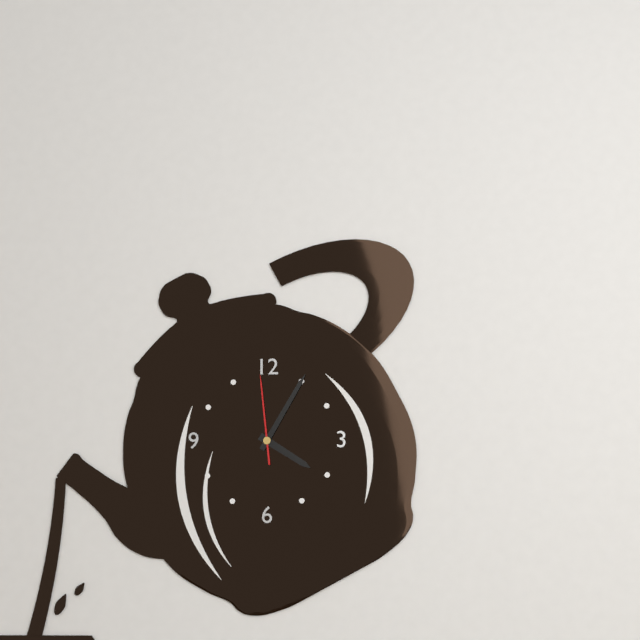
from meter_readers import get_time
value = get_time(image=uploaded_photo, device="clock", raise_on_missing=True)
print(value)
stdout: 4:05:59
